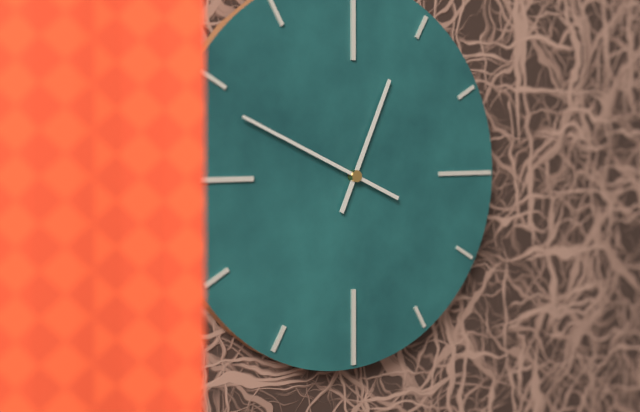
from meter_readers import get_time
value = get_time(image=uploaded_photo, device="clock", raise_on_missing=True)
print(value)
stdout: 12:49
